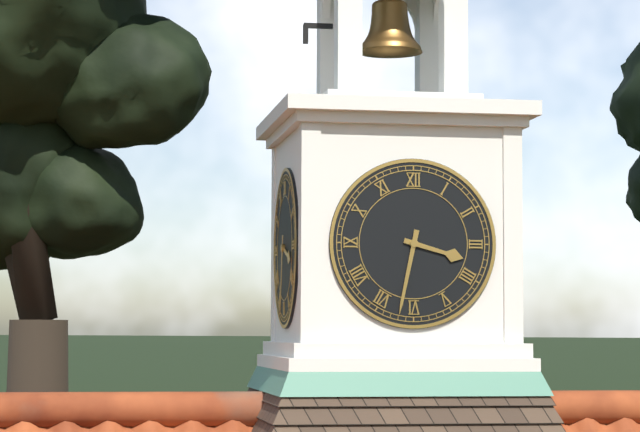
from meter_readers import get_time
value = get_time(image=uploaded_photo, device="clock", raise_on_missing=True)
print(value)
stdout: 3:32
